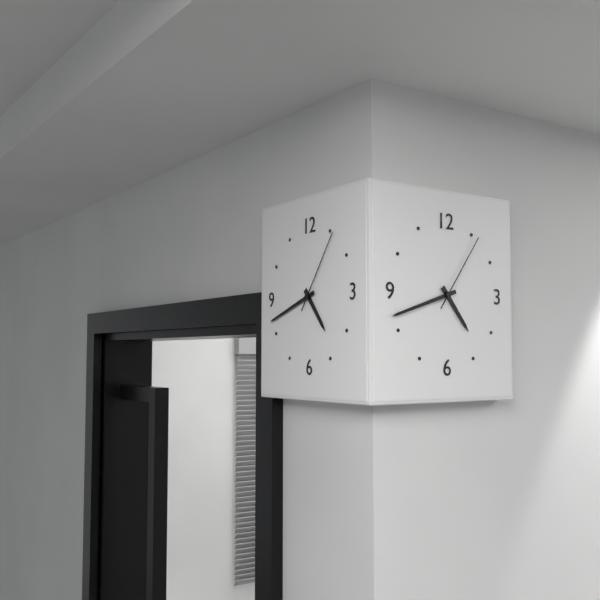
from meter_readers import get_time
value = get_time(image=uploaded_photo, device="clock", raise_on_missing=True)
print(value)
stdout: 4:42:06
